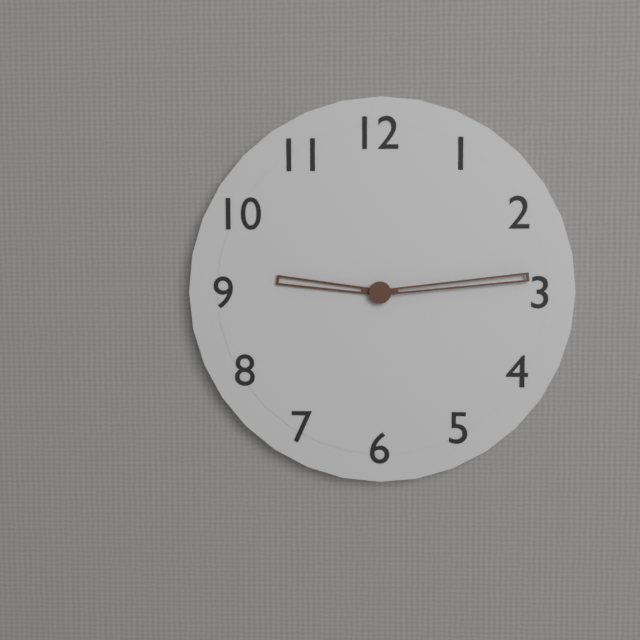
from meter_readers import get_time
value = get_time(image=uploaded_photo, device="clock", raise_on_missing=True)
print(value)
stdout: 9:14
